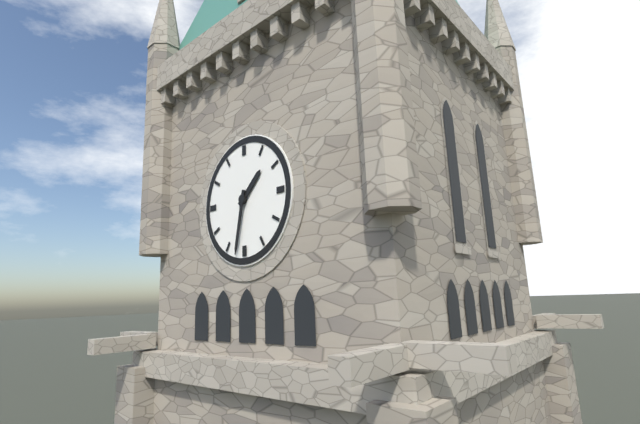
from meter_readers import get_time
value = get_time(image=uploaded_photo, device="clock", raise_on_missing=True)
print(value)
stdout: 1:32
